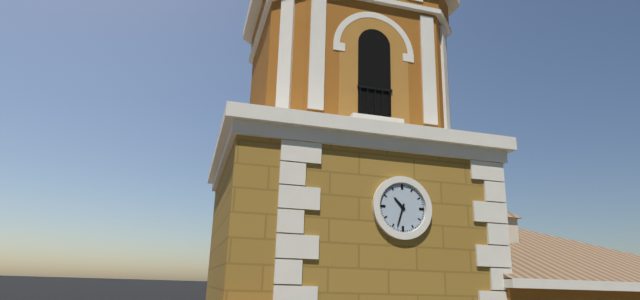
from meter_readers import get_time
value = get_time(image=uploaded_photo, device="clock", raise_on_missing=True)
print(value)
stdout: 10:33
